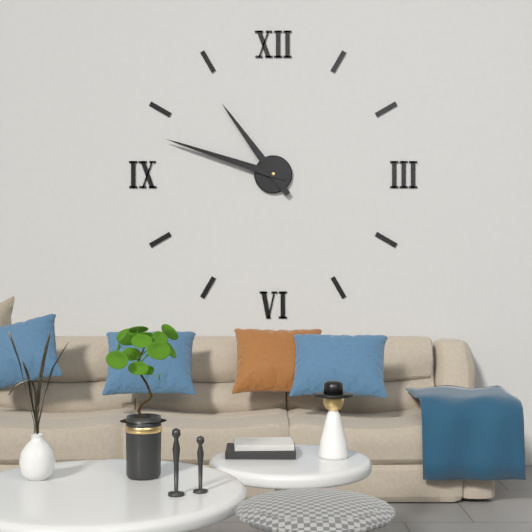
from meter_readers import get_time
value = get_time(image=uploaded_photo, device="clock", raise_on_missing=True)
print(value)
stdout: 10:48
